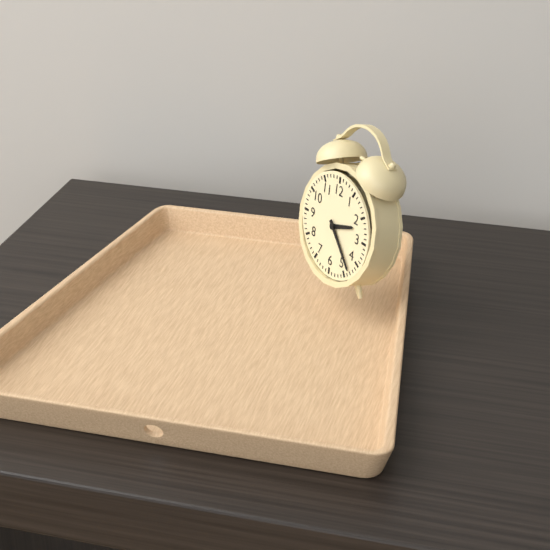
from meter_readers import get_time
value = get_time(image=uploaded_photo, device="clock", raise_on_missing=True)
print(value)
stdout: 2:23
